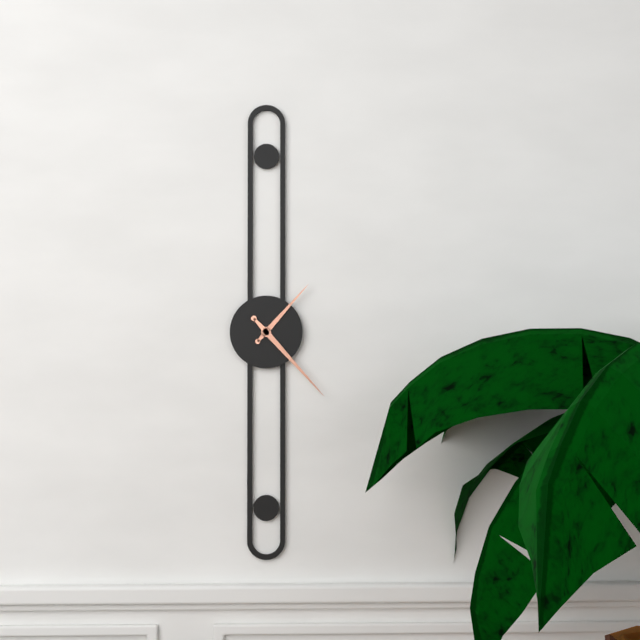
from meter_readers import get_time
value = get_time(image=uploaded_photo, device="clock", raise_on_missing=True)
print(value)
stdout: 1:23
